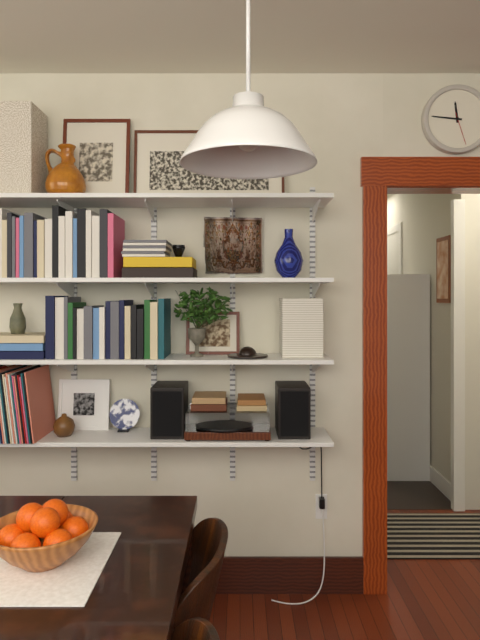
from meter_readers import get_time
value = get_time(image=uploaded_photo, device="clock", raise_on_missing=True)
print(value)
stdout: 11:46
